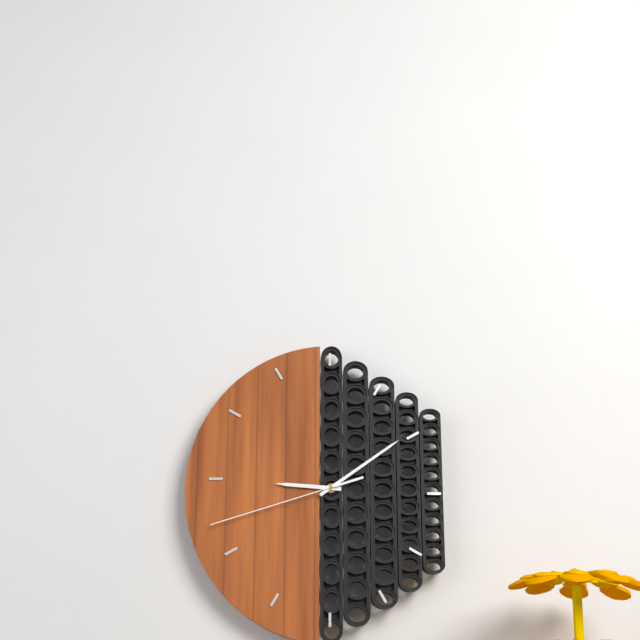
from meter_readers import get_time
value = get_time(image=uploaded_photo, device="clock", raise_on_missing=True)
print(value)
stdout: 9:09:42
